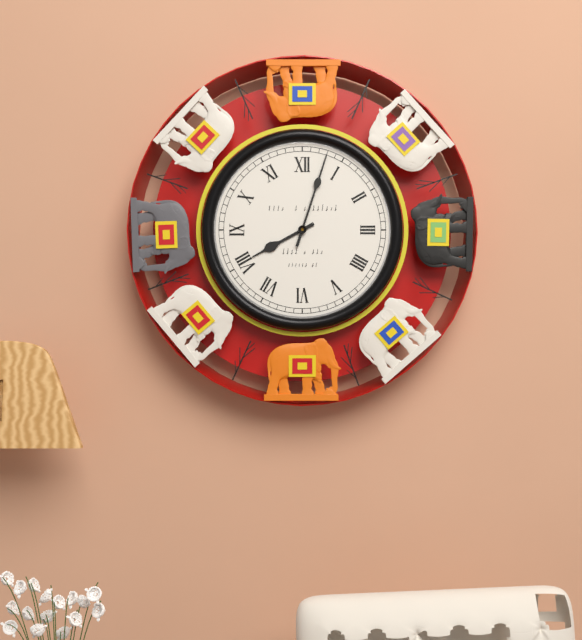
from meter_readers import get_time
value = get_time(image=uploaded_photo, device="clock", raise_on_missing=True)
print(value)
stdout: 8:03
